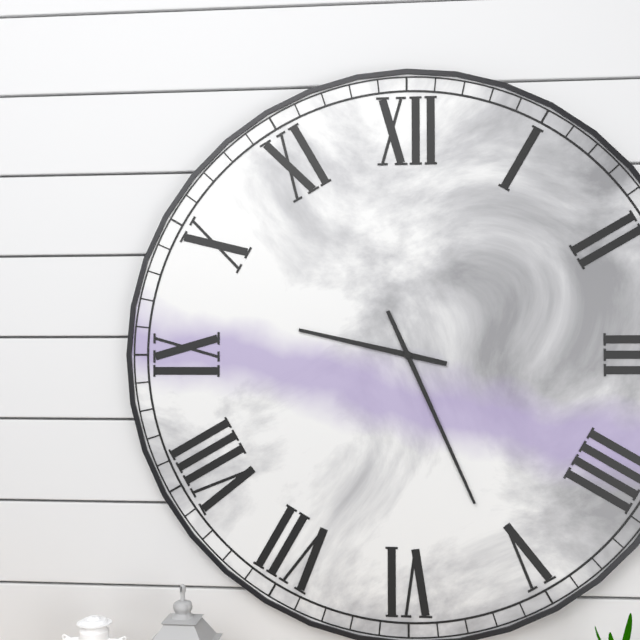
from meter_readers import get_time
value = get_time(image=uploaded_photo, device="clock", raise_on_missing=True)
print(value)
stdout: 9:26
